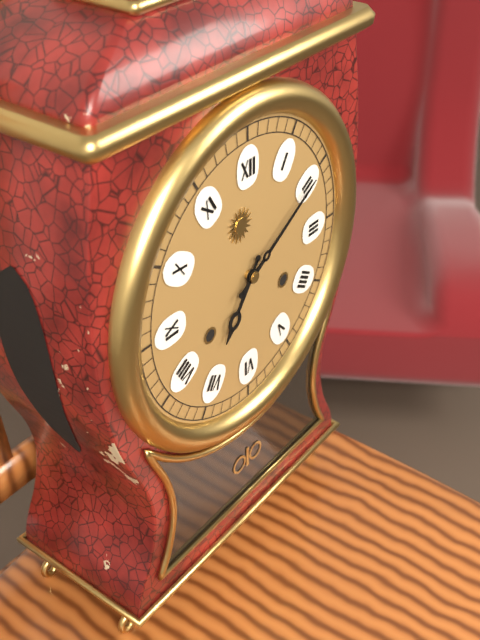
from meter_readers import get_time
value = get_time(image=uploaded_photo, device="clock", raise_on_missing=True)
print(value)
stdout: 7:10
